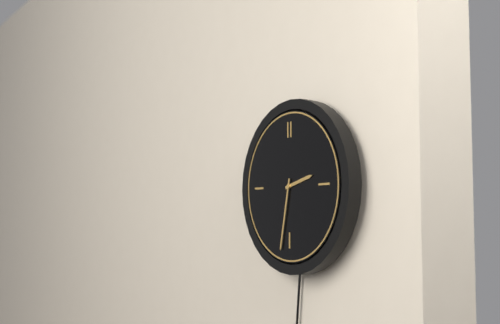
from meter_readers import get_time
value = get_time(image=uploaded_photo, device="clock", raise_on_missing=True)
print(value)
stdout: 2:32
